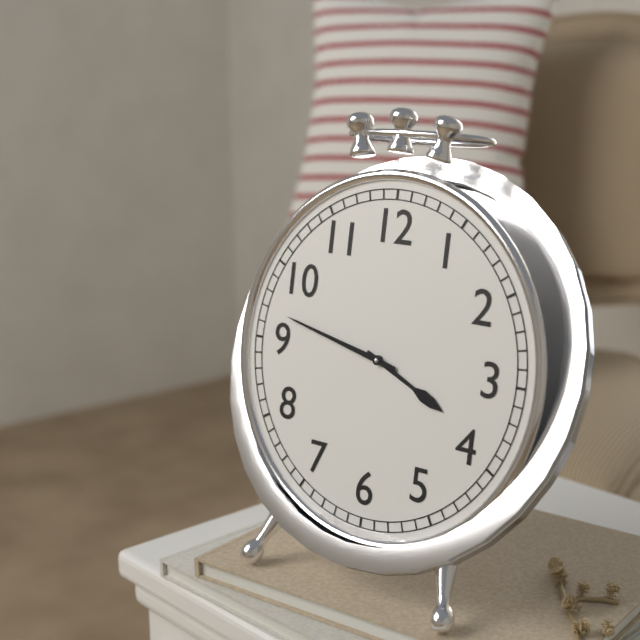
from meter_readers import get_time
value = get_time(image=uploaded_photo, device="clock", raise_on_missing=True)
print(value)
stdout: 3:47
